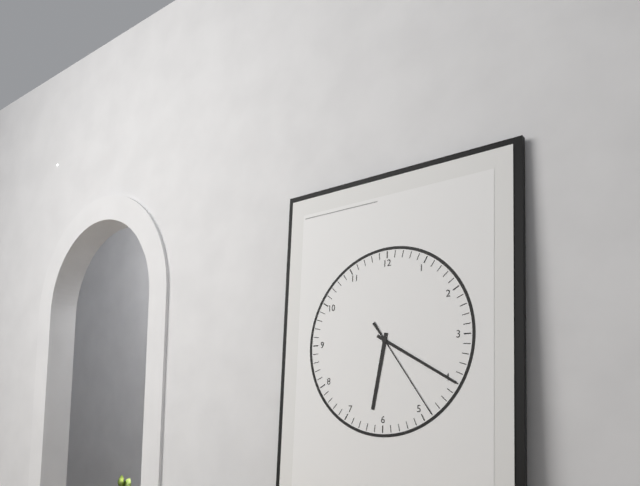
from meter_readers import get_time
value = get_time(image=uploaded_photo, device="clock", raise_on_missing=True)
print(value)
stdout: 6:20:24
